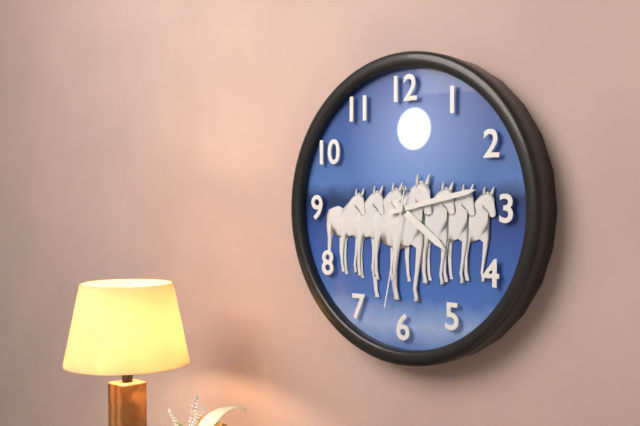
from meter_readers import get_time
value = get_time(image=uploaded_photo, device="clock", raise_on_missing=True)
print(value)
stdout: 4:13:32
